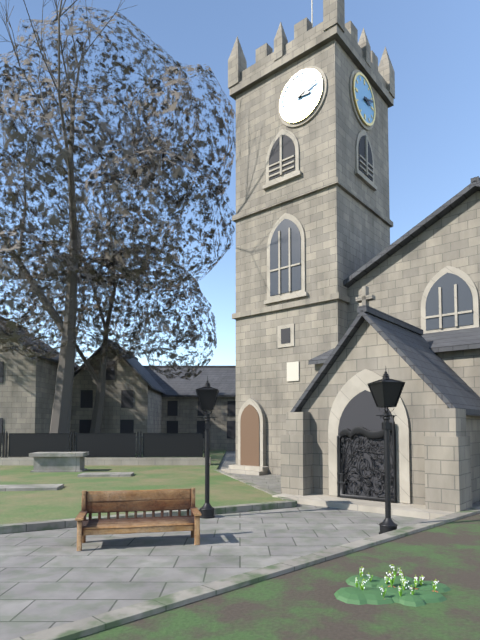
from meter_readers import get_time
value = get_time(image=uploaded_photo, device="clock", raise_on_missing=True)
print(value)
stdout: 3:12
